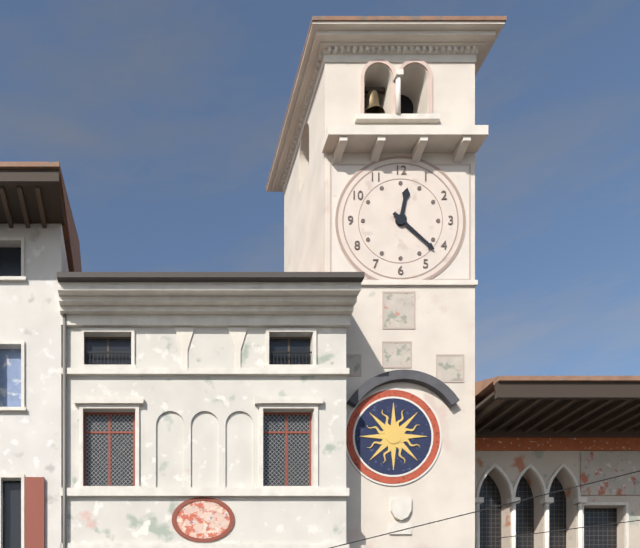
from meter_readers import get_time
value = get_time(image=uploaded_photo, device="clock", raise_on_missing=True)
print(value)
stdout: 12:22
